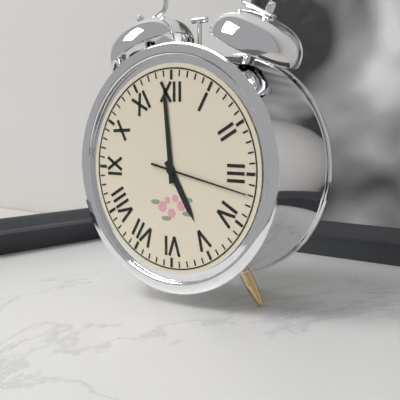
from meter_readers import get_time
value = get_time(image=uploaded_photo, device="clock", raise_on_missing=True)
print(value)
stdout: 4:59:17
